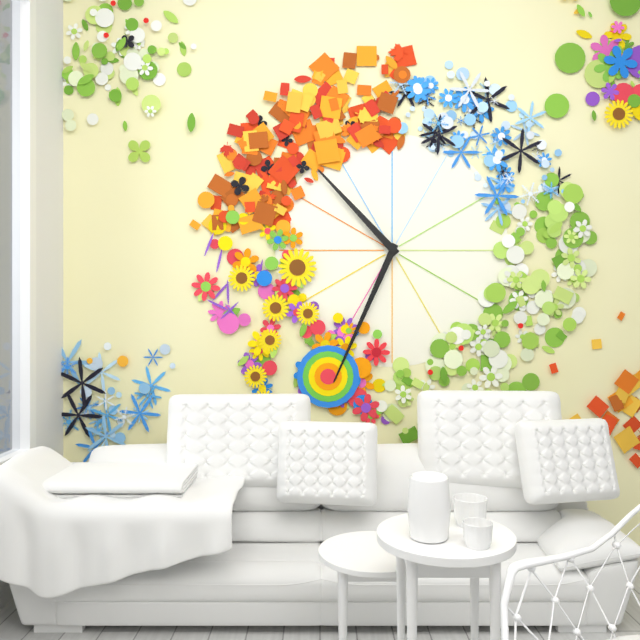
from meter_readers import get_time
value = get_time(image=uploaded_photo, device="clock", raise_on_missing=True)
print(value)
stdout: 10:34
